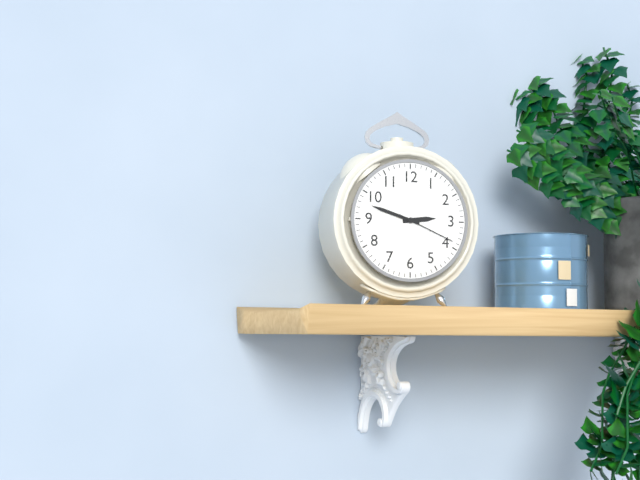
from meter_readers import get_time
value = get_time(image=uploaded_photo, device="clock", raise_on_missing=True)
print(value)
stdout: 2:48:19
